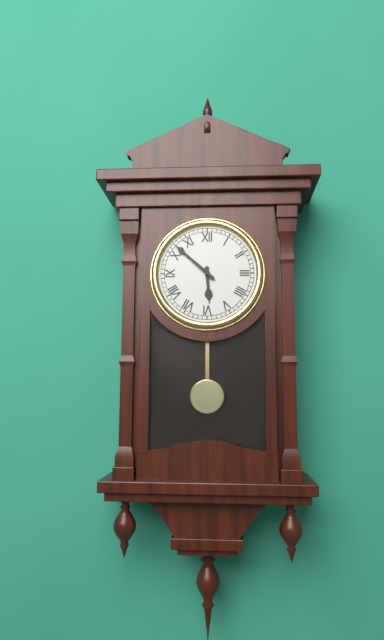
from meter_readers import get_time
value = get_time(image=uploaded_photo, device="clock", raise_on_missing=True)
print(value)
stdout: 5:52
